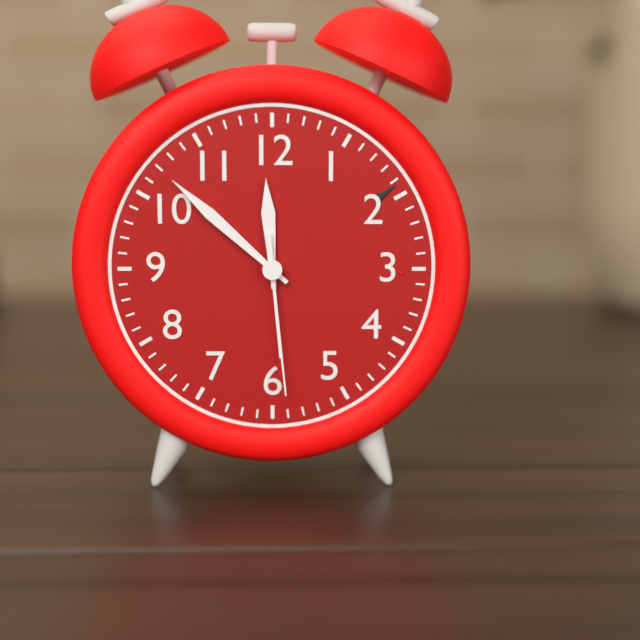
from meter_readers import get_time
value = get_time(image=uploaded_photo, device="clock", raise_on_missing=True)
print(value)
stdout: 11:52:29
